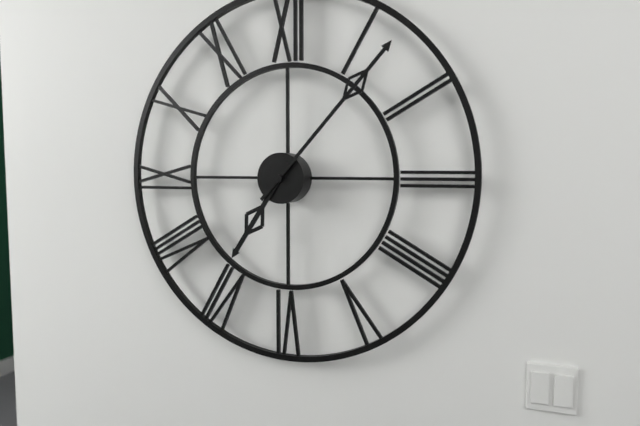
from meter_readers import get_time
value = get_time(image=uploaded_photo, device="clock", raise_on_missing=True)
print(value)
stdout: 7:07
